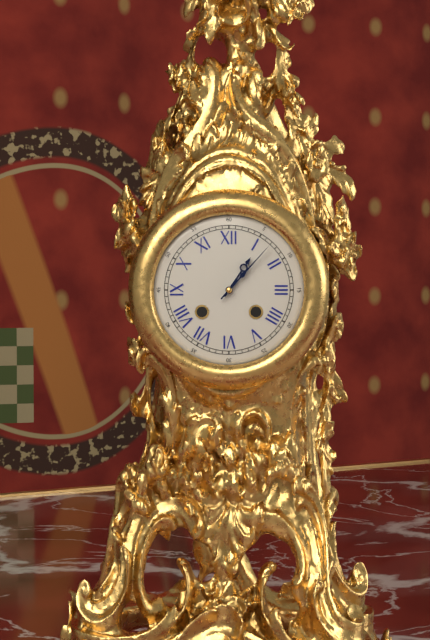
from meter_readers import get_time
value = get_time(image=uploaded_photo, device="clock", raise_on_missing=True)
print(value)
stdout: 1:07
